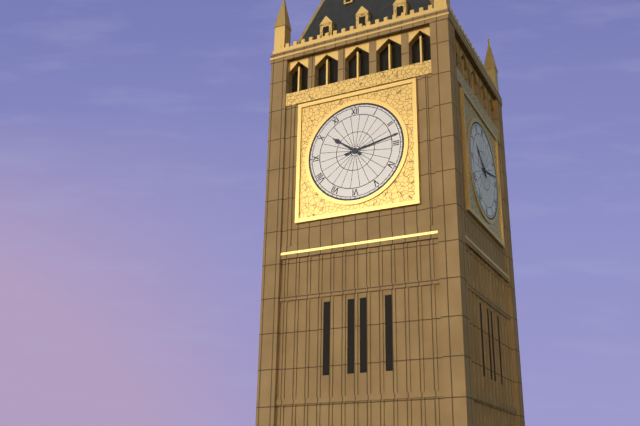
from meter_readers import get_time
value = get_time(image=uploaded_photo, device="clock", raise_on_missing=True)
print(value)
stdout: 10:13
